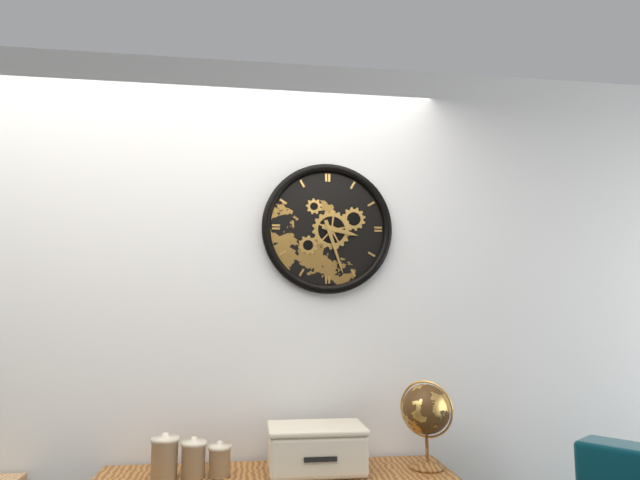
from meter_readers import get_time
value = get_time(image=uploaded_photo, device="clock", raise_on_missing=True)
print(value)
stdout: 3:27
